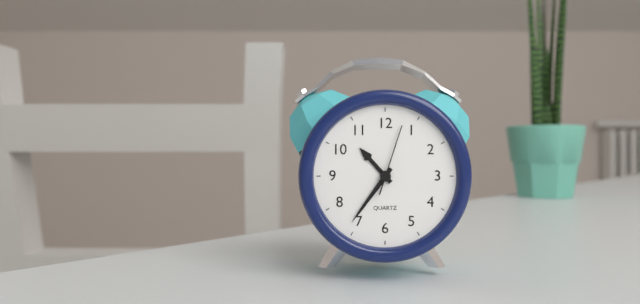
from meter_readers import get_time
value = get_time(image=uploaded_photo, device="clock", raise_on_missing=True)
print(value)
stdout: 10:36:03
